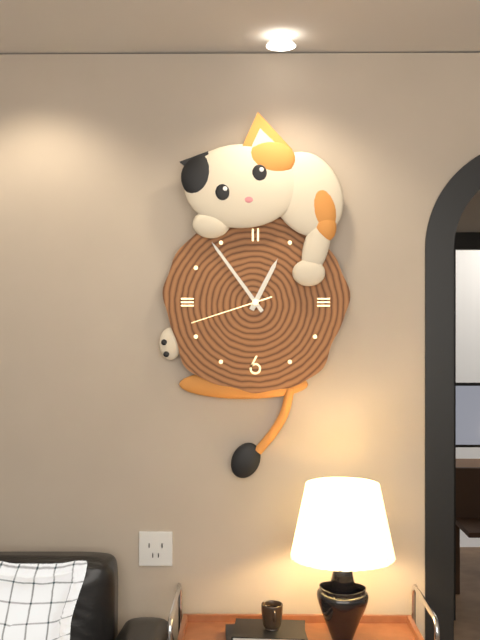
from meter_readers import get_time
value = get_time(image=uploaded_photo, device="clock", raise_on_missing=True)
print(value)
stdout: 12:54:42
